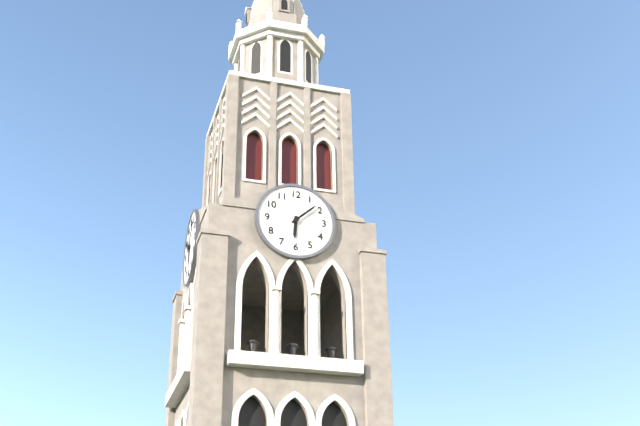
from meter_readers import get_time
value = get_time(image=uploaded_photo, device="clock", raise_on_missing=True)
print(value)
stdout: 6:08
